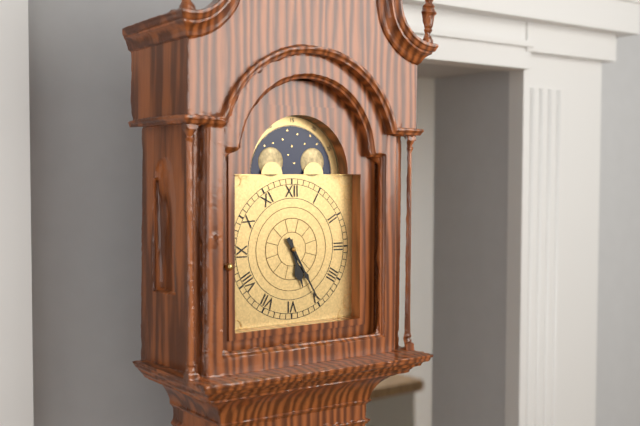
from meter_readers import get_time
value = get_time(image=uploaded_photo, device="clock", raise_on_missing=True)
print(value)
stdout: 5:25
